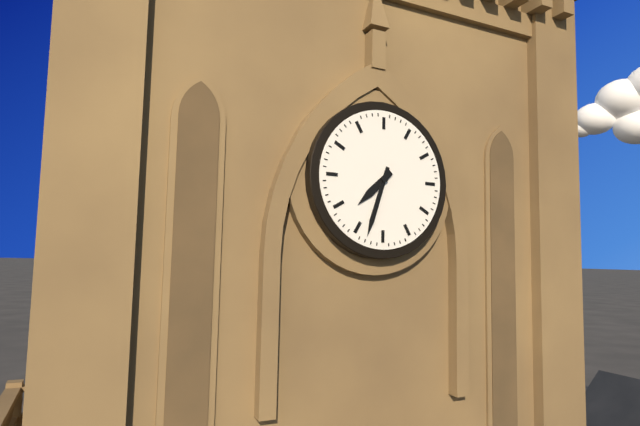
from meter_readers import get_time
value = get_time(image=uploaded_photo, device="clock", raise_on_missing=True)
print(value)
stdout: 7:33
